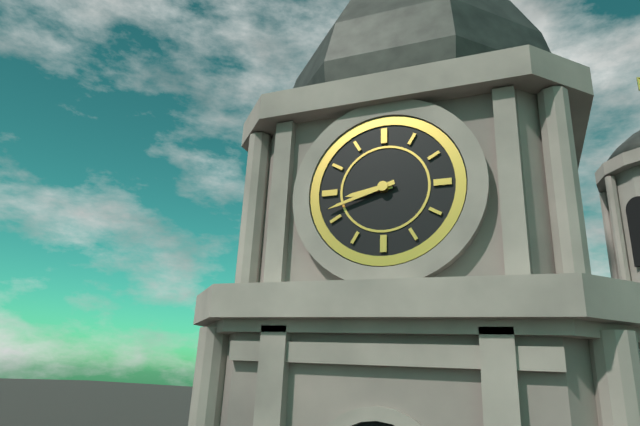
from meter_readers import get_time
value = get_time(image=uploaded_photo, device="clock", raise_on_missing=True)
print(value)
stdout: 8:42
